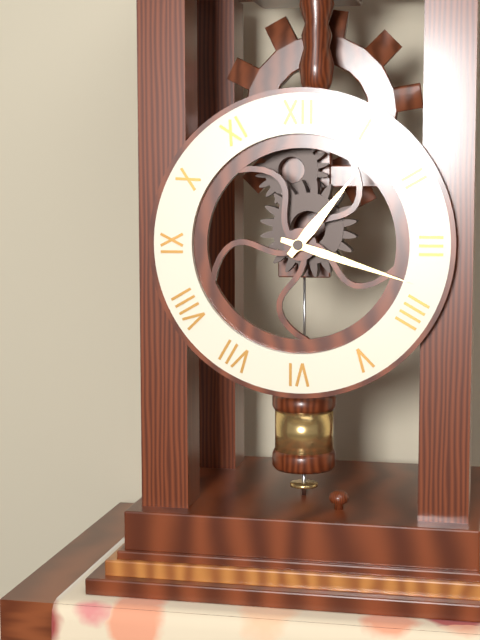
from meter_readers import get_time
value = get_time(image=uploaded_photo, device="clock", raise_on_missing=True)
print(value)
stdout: 1:18
